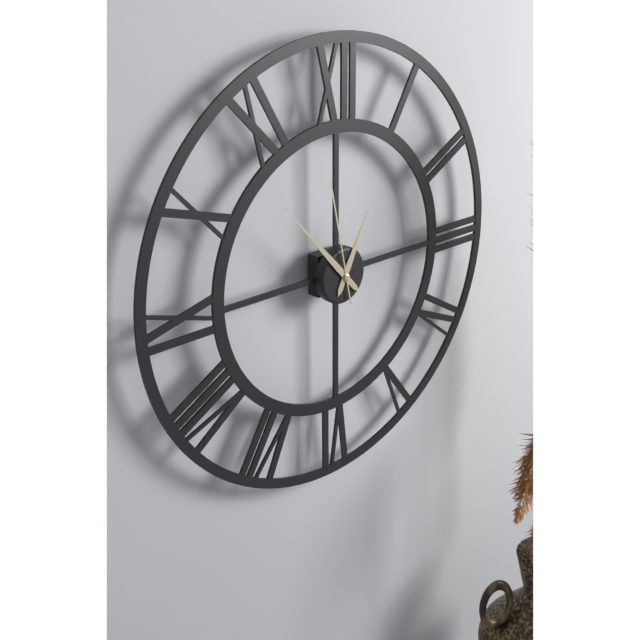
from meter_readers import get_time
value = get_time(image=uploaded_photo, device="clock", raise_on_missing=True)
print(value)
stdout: 12:53:58
